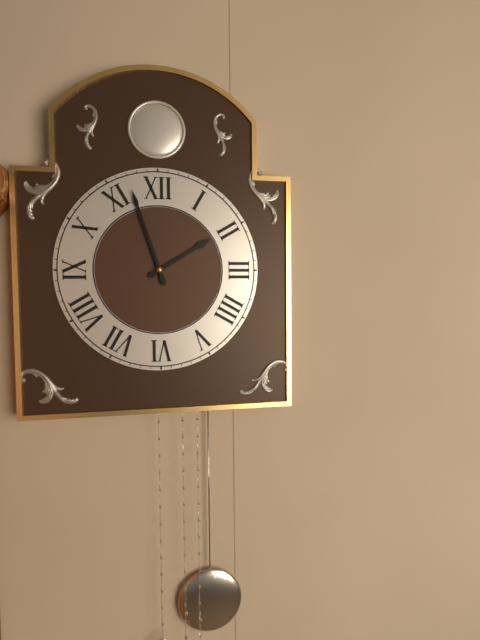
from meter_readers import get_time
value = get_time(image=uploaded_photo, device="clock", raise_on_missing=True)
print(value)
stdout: 1:57
